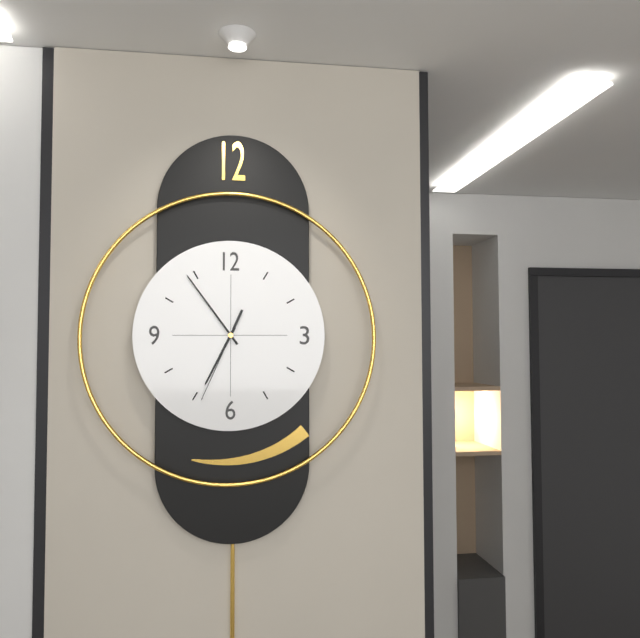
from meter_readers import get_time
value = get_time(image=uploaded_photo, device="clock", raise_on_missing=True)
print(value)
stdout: 6:54:34
